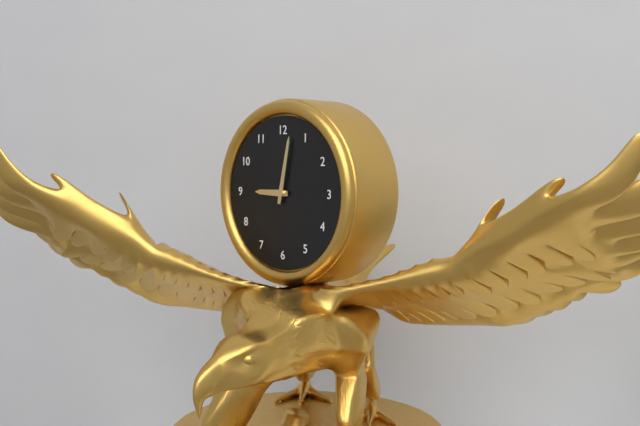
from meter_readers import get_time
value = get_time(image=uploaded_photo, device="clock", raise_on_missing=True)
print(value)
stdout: 9:02
